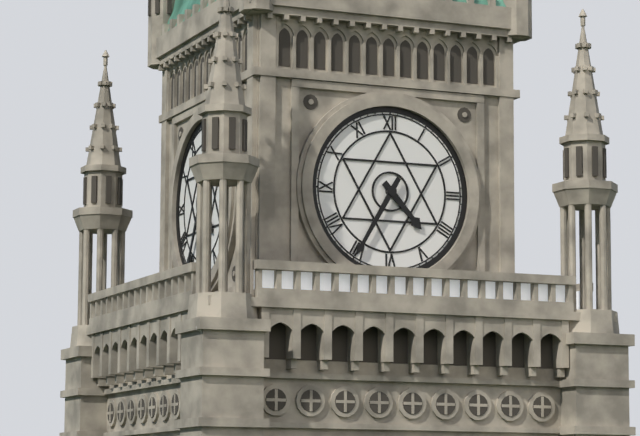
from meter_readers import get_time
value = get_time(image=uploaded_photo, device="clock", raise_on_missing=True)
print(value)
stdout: 4:35
